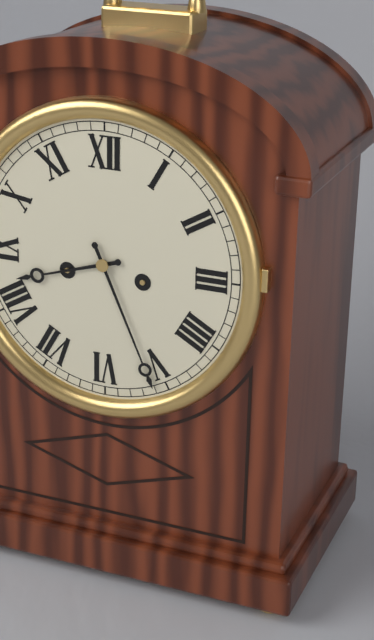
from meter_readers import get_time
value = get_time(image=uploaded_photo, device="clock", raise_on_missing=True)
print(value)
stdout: 8:26
